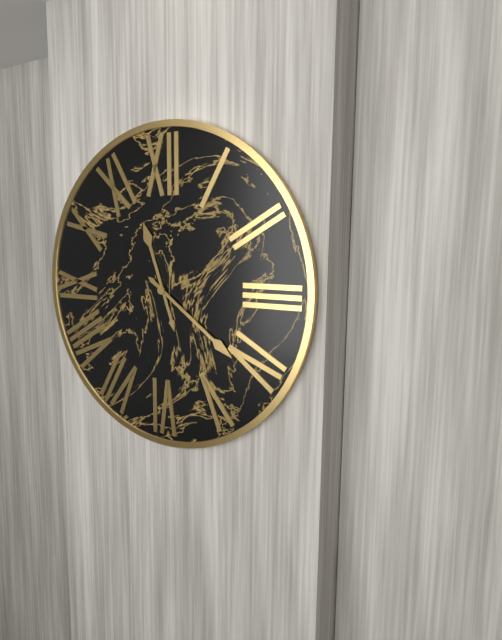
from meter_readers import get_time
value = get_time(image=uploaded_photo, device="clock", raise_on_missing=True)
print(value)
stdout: 11:21
